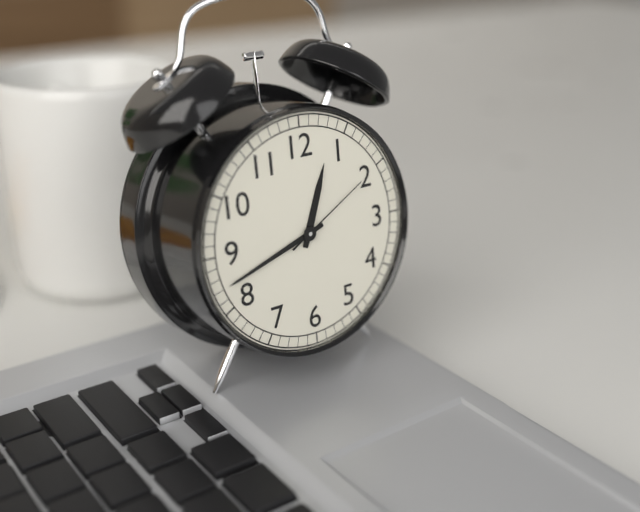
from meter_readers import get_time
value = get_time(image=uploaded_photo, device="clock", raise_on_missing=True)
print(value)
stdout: 12:42:10
